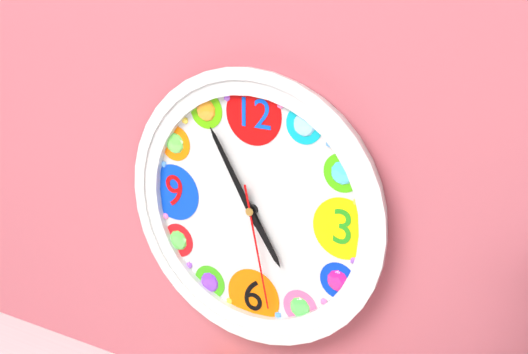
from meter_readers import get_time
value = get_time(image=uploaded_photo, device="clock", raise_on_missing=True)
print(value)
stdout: 4:55:28
